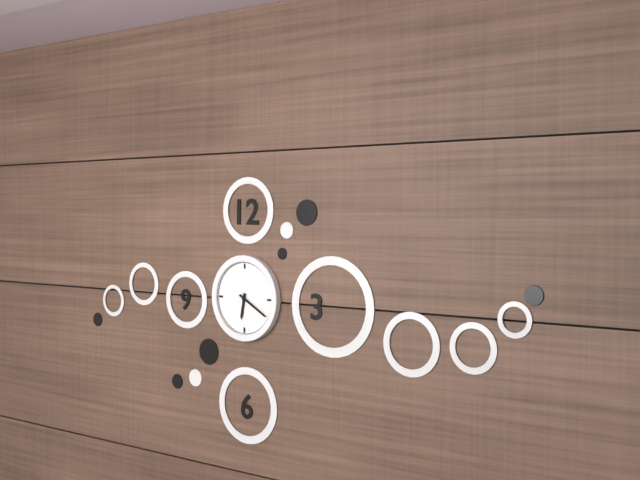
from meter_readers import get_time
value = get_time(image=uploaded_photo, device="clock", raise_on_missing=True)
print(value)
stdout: 6:20
